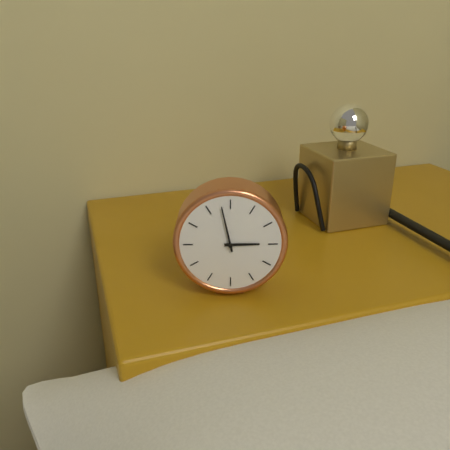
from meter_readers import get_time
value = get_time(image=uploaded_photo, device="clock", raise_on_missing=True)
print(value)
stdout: 2:58
